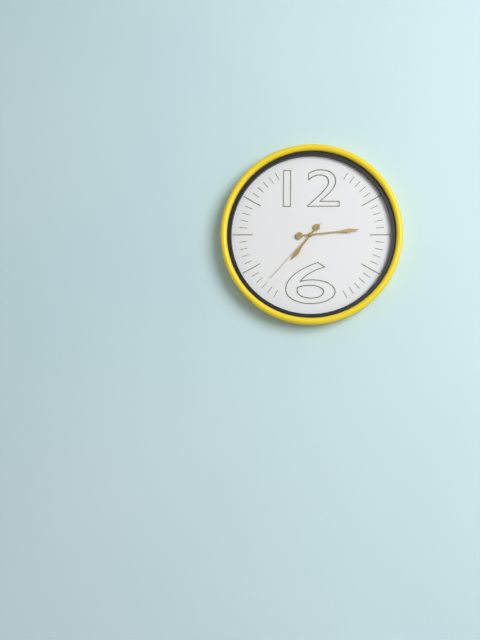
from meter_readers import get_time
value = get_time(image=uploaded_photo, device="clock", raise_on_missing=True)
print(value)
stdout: 7:14:37
